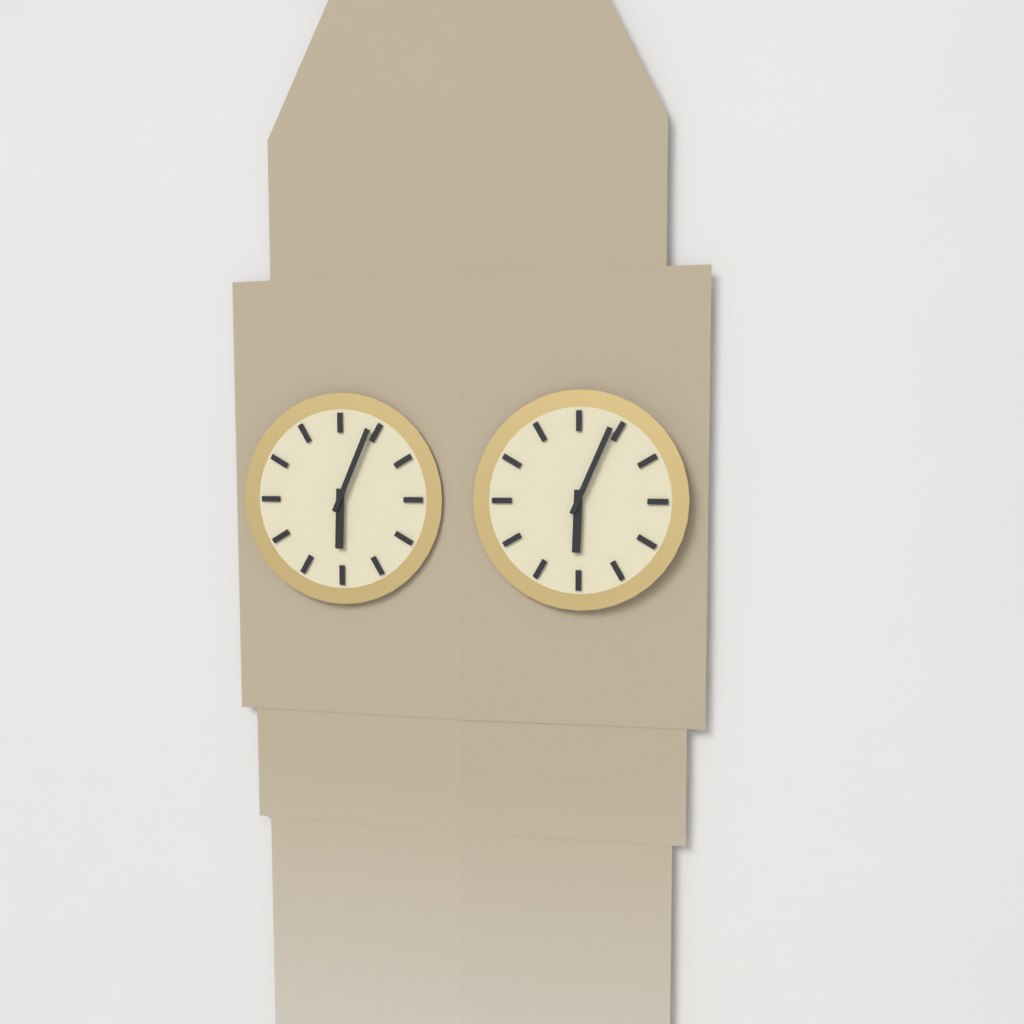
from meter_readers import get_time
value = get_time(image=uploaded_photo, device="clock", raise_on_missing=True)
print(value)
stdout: 6:04
